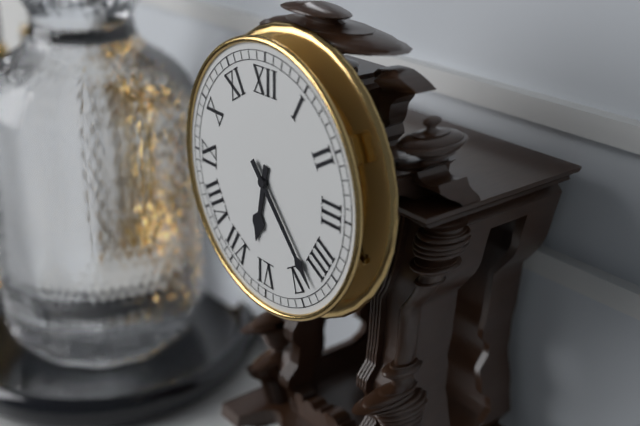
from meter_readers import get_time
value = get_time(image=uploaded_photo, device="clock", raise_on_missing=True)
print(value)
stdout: 6:23
